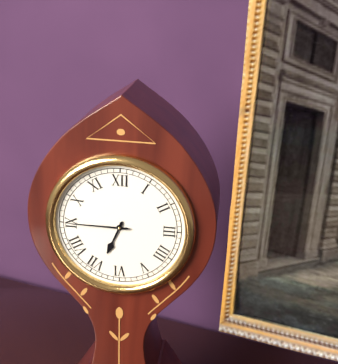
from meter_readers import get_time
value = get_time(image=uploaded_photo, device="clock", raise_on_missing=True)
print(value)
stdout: 6:45
